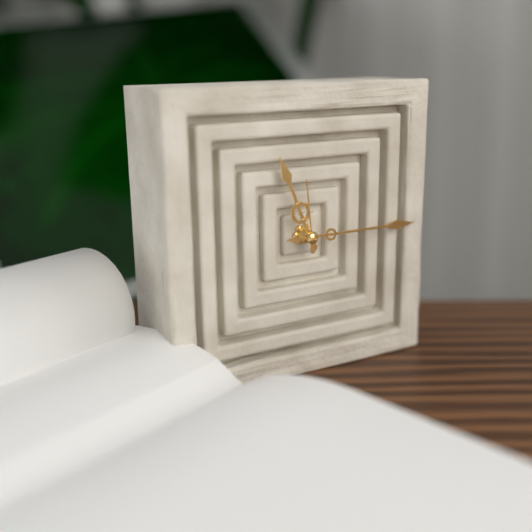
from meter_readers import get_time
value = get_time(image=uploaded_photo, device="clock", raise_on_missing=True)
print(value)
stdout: 11:15:59
